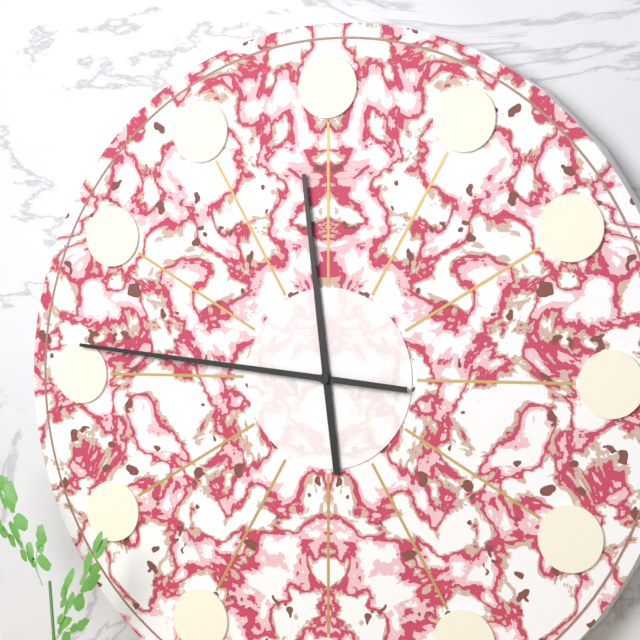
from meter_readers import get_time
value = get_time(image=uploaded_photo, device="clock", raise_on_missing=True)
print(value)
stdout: 11:46
